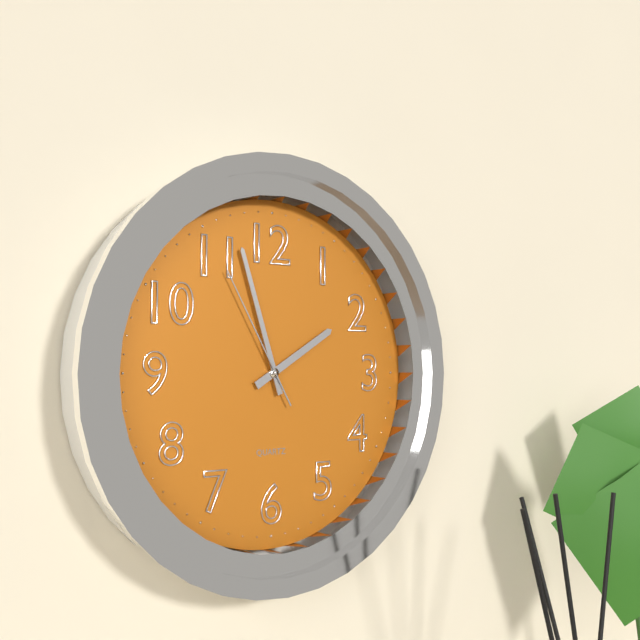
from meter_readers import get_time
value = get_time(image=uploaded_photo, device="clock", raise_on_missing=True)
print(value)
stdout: 1:57:55
